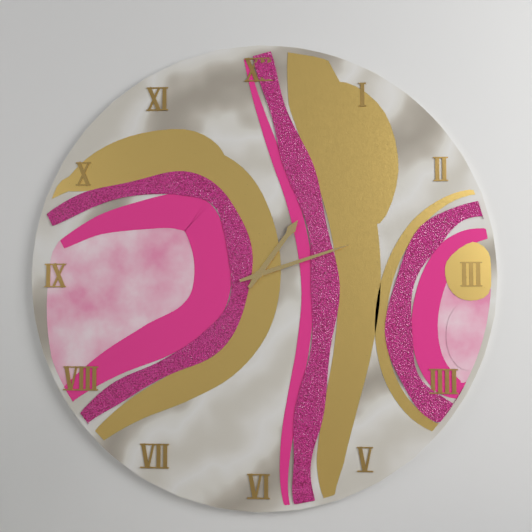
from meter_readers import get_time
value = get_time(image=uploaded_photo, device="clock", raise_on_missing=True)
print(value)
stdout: 1:12
